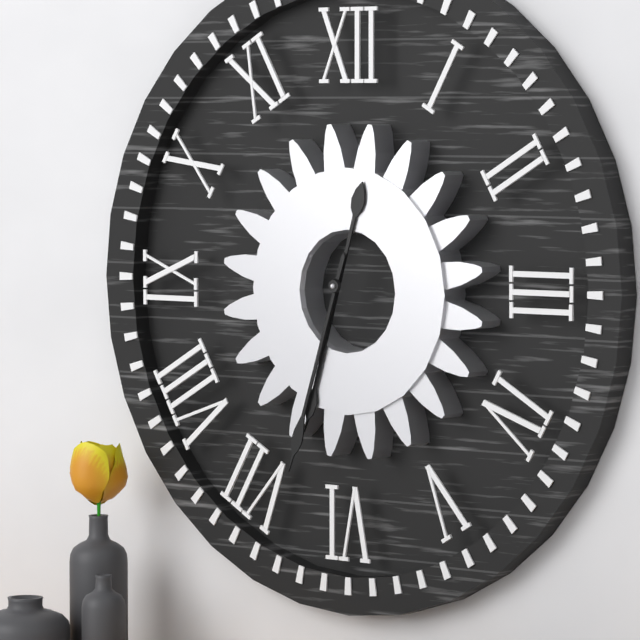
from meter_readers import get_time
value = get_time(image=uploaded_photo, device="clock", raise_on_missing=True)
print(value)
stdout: 6:33
